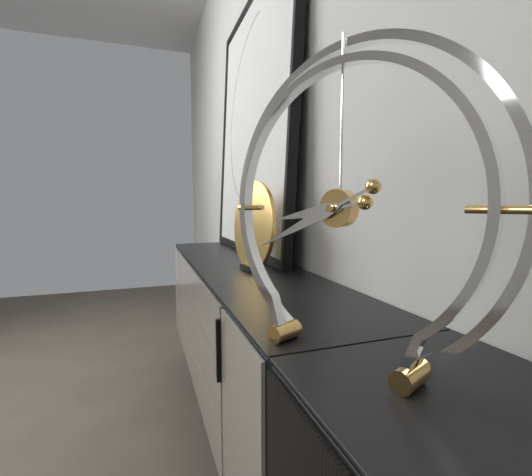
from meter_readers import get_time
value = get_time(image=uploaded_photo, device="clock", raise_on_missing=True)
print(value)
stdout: 8:41
